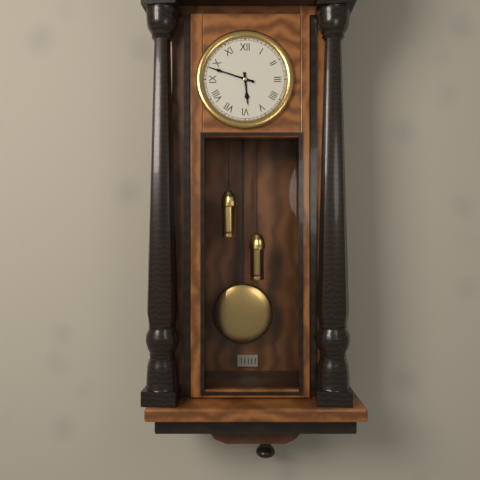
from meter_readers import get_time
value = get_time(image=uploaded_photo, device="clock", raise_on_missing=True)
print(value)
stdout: 5:48
